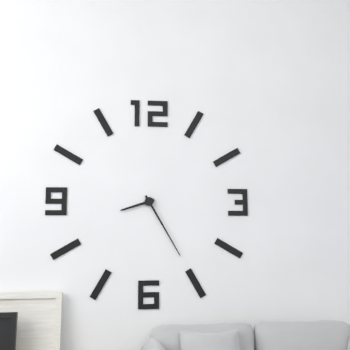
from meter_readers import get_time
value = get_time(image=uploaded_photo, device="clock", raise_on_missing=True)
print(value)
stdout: 8:25
